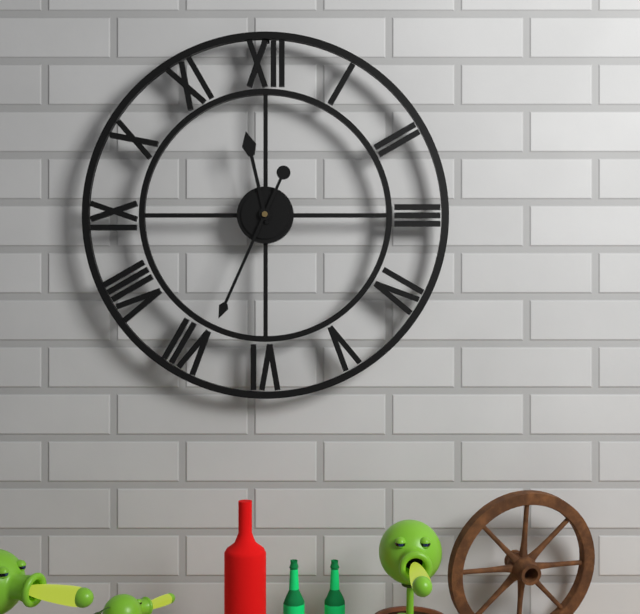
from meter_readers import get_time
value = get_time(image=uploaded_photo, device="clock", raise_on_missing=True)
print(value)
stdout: 11:34
